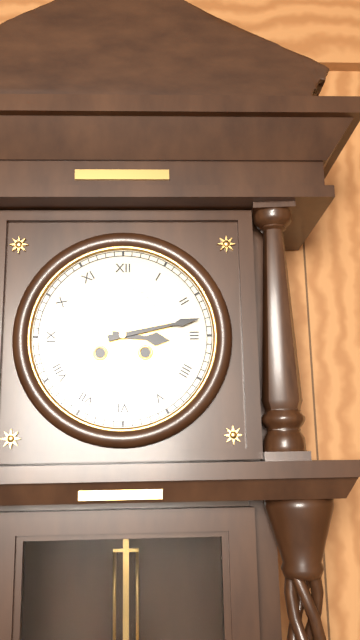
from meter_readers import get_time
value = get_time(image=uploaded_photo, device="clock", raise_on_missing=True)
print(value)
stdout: 3:13
